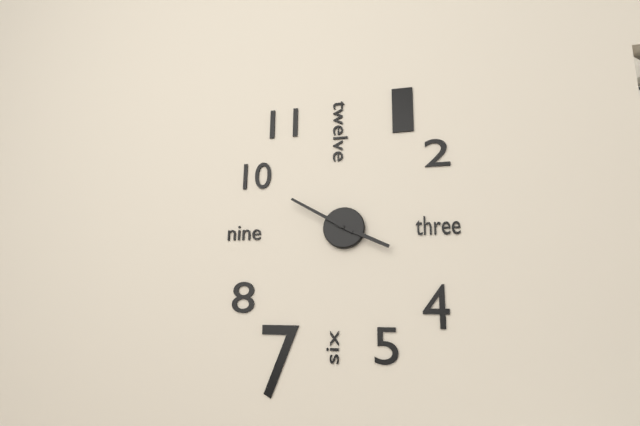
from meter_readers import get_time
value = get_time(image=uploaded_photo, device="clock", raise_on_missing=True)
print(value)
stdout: 3:50
